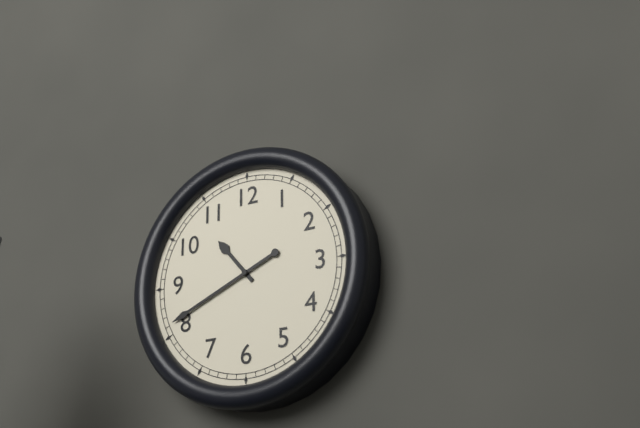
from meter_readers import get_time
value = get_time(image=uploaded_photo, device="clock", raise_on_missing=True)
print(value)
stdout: 10:41
